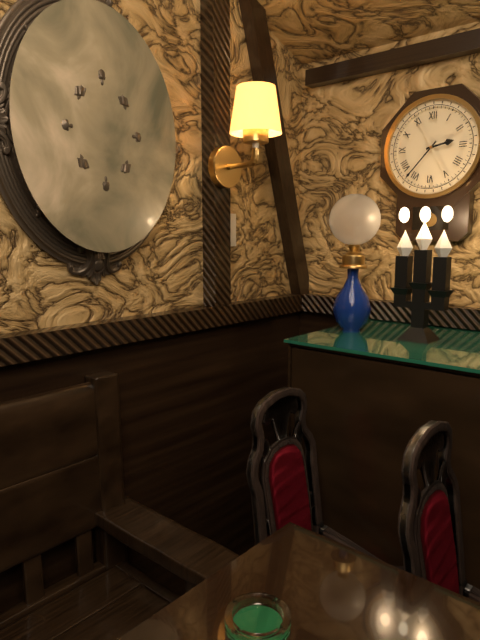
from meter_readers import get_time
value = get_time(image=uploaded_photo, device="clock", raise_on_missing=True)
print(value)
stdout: 2:37
